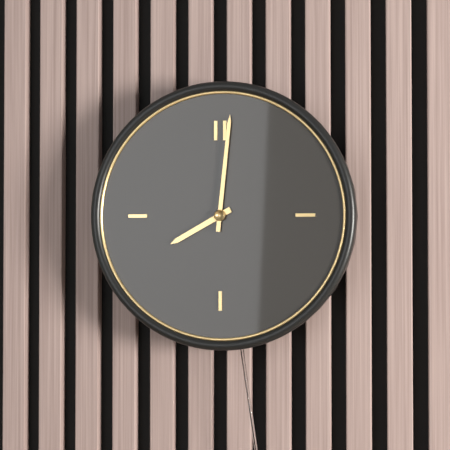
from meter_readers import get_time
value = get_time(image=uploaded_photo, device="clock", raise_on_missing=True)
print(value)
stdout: 8:01
